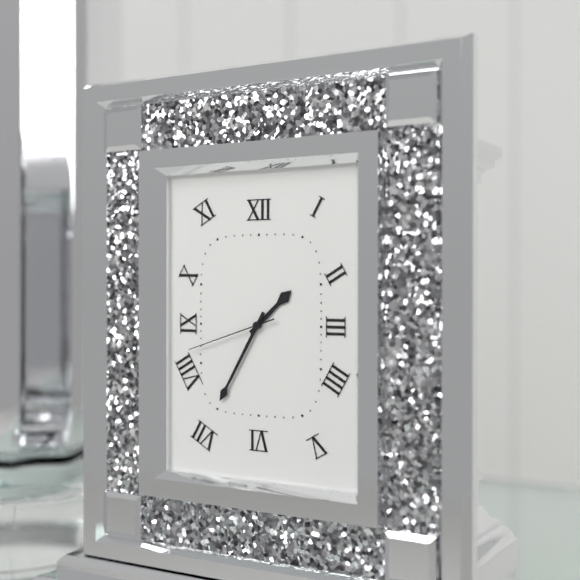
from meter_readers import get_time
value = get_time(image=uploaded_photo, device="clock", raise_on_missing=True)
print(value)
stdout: 1:35:42
